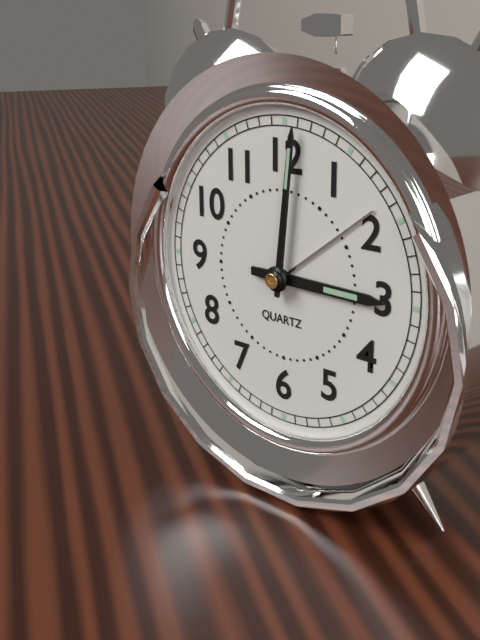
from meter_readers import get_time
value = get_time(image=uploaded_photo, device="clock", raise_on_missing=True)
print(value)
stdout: 3:01
